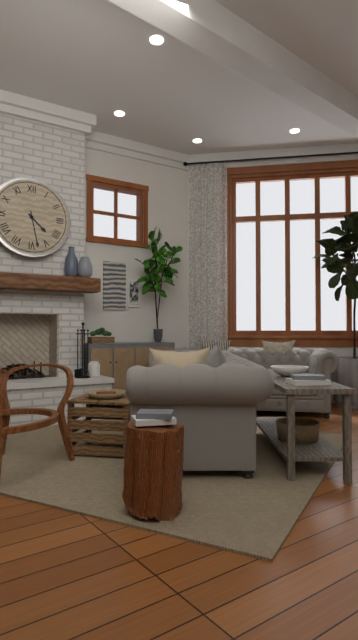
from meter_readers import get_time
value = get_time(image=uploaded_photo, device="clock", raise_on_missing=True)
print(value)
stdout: 4:28
